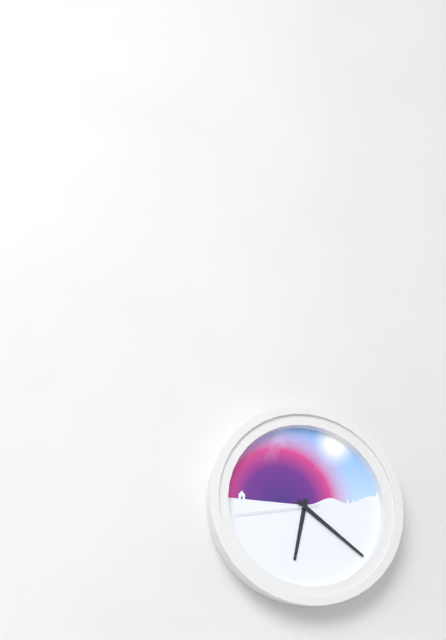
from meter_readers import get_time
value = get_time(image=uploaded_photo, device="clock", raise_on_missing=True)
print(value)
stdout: 6:21:43
